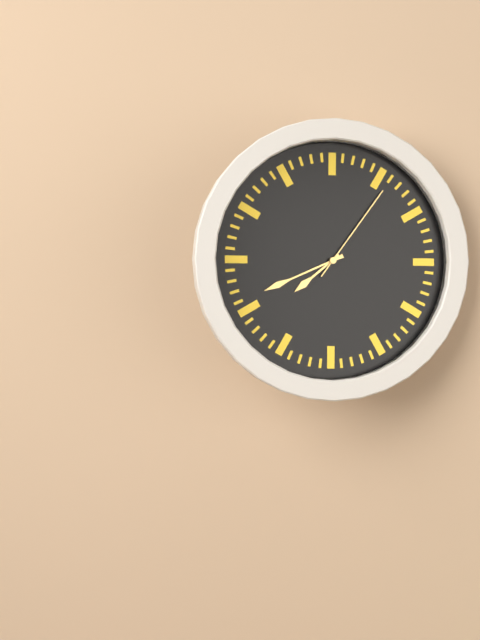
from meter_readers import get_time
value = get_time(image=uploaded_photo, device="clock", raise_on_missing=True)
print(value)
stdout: 7:41:06
